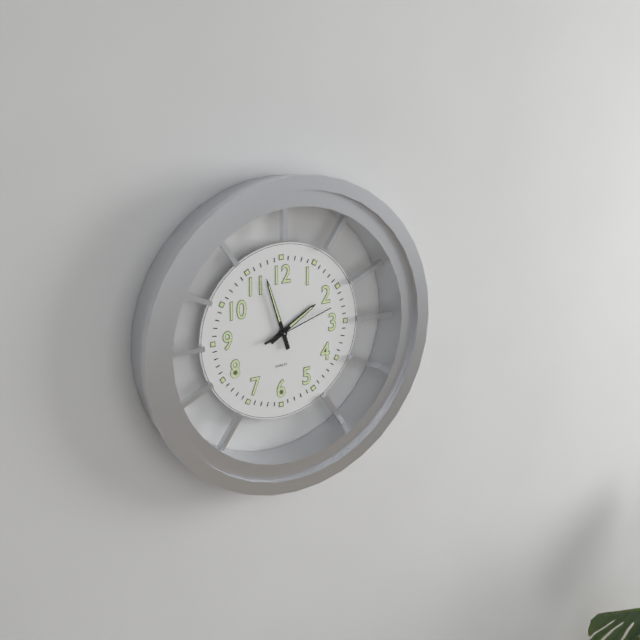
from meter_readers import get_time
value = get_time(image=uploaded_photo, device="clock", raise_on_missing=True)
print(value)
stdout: 1:57:12
